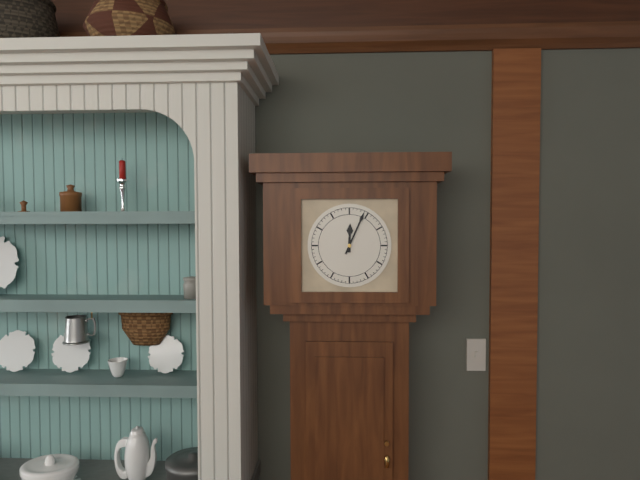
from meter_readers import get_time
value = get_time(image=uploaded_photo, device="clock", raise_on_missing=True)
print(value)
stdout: 12:04
